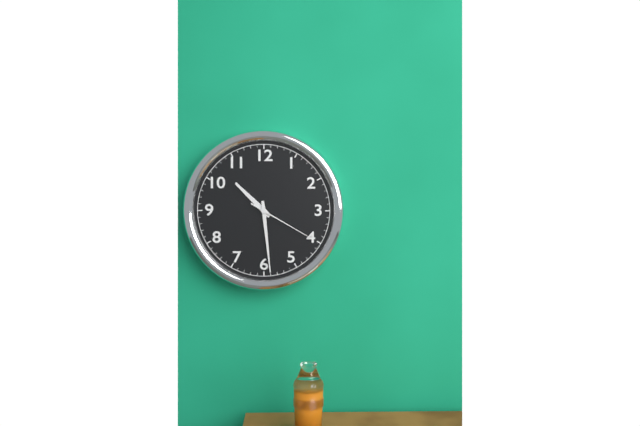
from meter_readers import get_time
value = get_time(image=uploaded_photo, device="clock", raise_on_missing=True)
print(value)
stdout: 10:29:20
